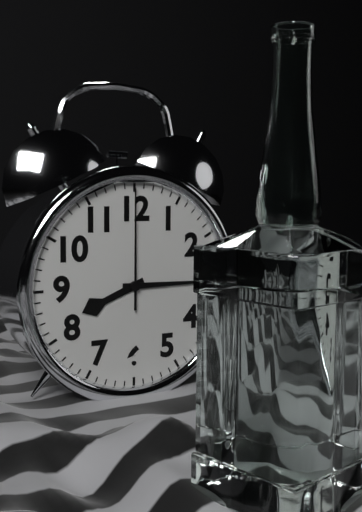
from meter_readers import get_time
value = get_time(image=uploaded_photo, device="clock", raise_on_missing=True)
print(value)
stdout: 8:15:00
